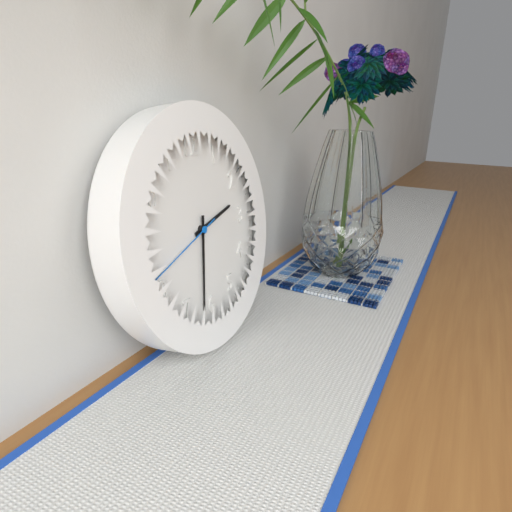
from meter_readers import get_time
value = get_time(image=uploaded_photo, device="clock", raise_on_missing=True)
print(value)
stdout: 2:32:42
